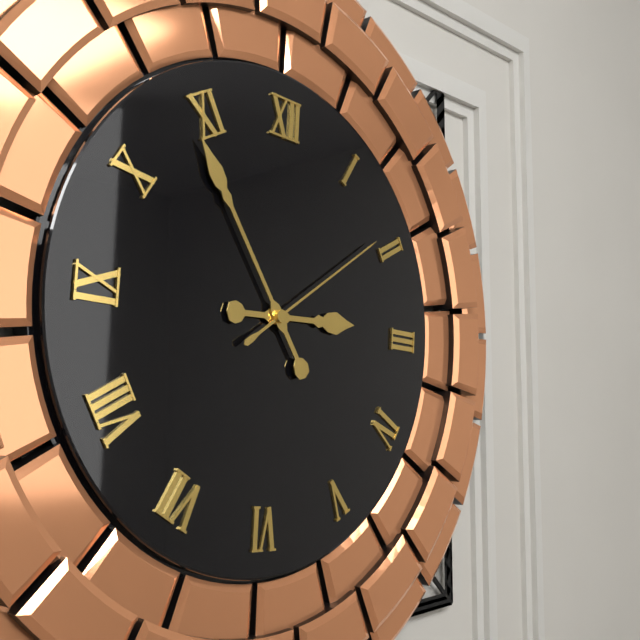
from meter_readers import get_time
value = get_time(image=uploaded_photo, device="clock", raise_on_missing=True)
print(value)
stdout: 2:54:09
